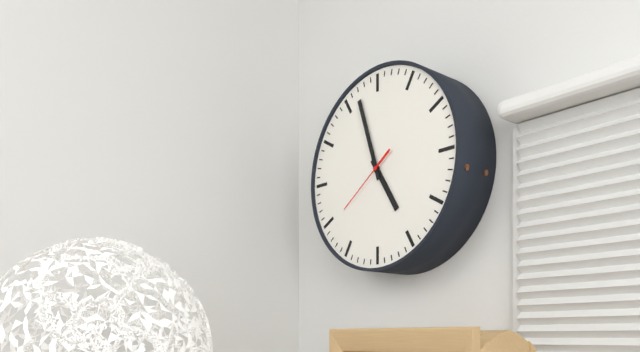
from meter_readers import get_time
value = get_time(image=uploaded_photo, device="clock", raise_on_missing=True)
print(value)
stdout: 4:57:39
